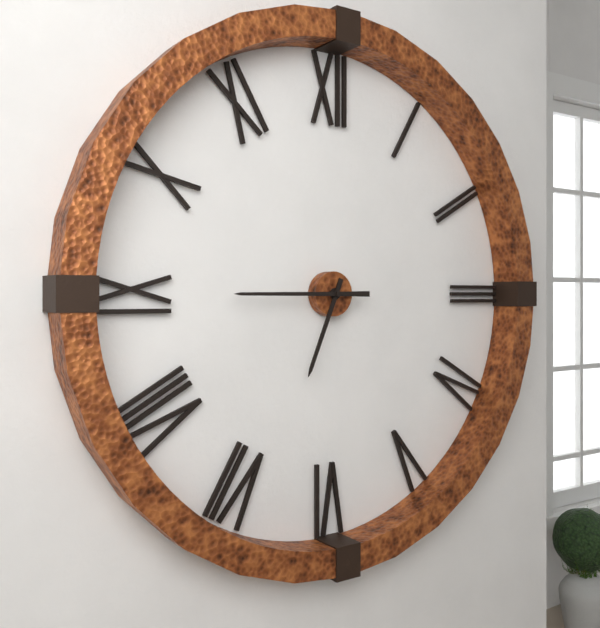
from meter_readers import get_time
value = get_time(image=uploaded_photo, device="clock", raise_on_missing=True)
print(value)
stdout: 6:45
